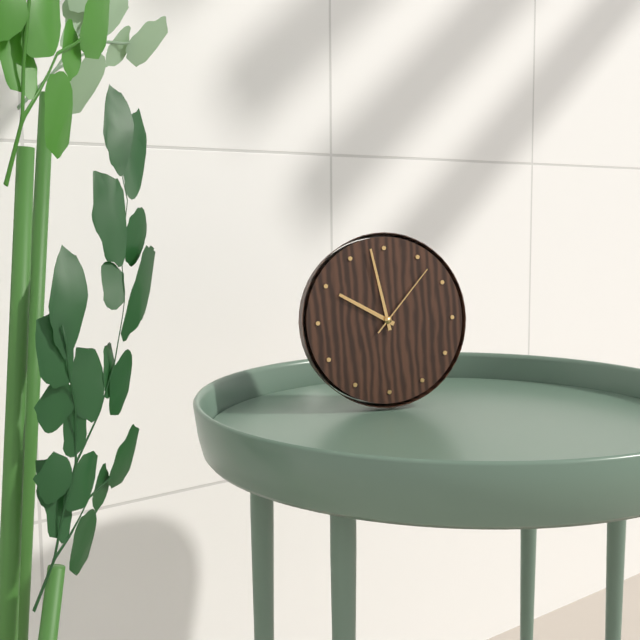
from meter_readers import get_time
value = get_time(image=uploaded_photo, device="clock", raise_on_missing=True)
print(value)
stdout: 9:58:07
